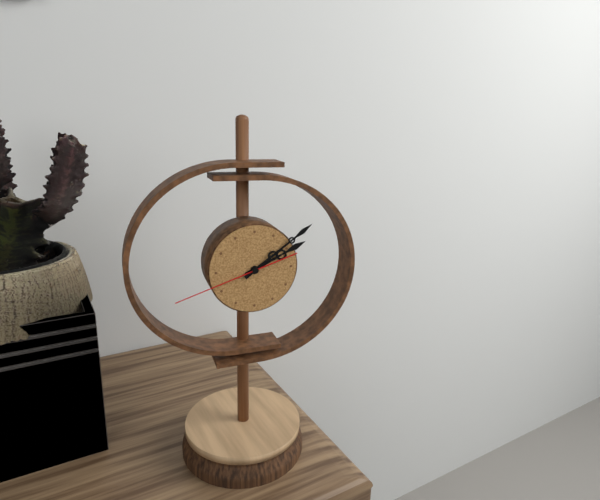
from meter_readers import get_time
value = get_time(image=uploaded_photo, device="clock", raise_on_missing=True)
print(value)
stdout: 2:09:42
